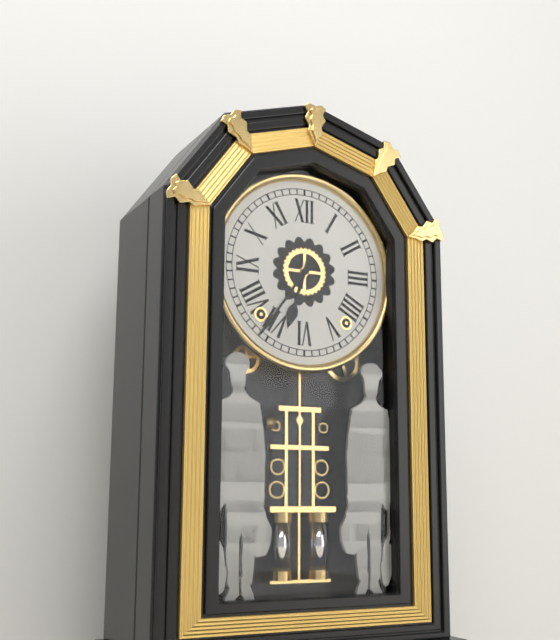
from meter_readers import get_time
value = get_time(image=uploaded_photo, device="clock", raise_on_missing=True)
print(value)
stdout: 6:36
